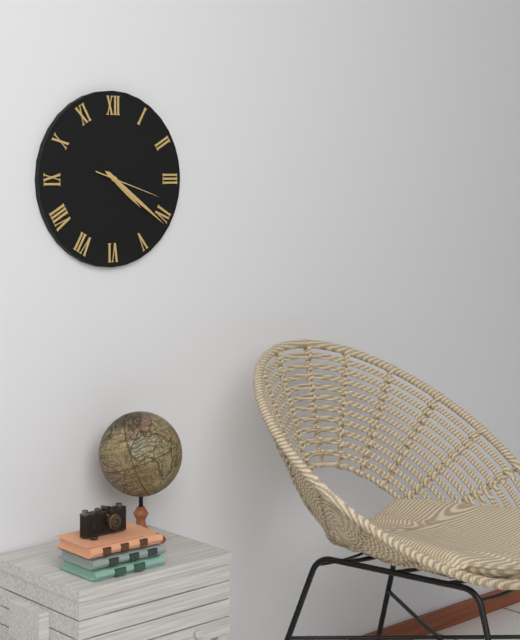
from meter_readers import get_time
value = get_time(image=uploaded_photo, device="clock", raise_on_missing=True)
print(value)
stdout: 4:21:18
